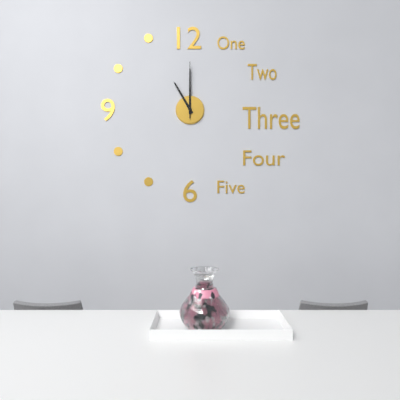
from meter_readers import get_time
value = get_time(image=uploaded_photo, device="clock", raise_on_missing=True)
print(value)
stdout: 11:00:00
